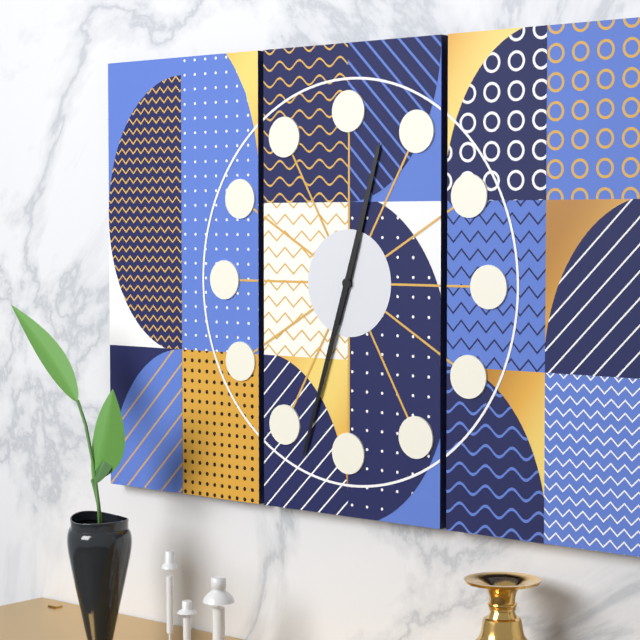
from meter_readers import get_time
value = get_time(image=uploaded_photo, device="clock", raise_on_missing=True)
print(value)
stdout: 12:33
